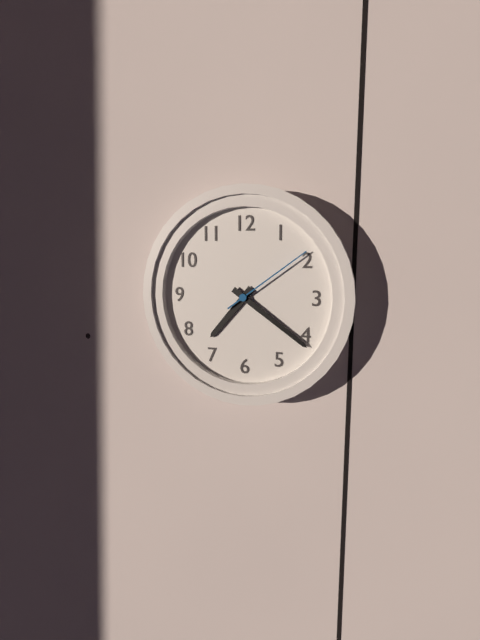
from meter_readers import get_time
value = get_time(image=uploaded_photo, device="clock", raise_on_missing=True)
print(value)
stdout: 7:21:09
